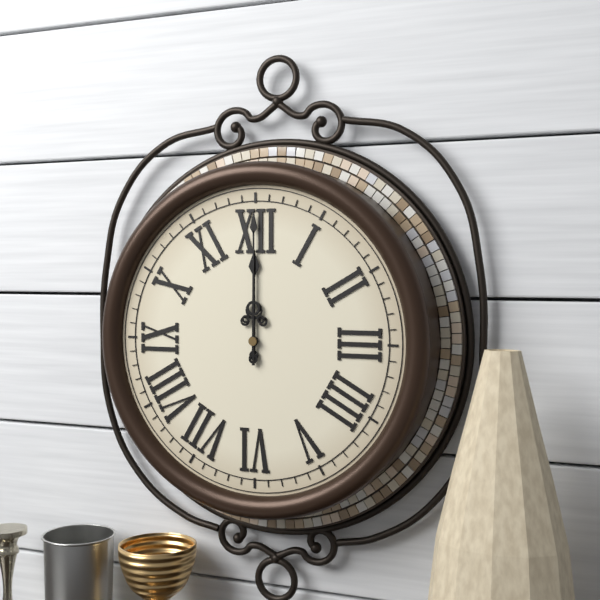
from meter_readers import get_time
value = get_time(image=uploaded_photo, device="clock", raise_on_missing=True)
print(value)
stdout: 12:00
